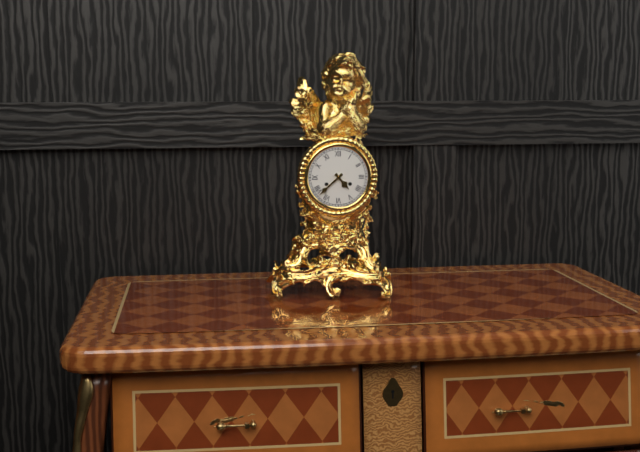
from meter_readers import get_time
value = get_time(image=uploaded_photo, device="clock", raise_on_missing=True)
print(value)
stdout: 4:38
